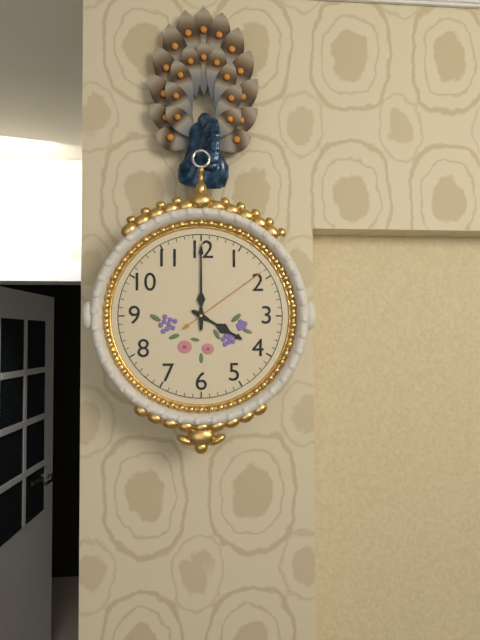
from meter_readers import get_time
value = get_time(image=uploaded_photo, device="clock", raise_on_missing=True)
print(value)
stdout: 4:00:09
